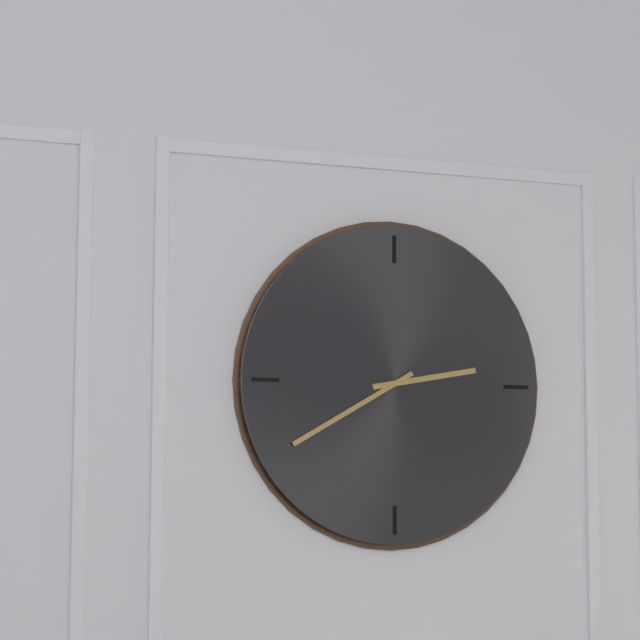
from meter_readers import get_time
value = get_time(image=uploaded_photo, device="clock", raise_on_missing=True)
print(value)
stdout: 2:40
